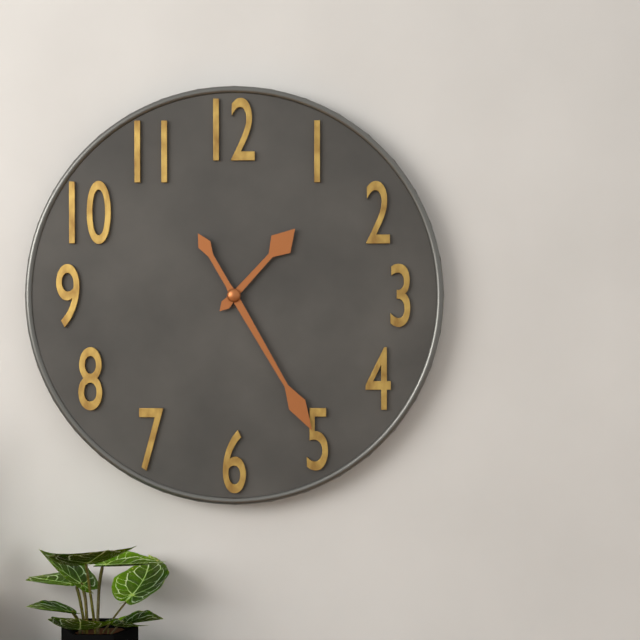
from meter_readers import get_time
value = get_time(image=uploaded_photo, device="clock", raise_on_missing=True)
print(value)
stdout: 1:25
